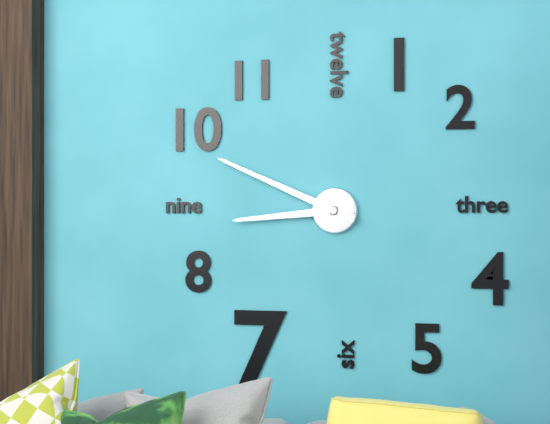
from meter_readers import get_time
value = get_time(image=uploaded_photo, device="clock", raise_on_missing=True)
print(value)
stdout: 8:49
